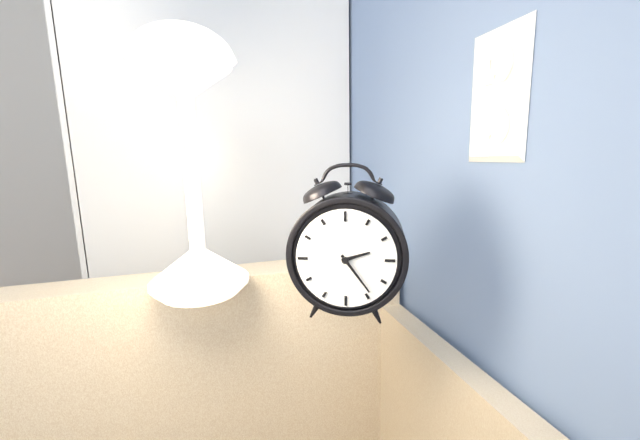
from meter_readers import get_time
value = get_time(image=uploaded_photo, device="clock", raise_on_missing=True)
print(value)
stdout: 2:24
